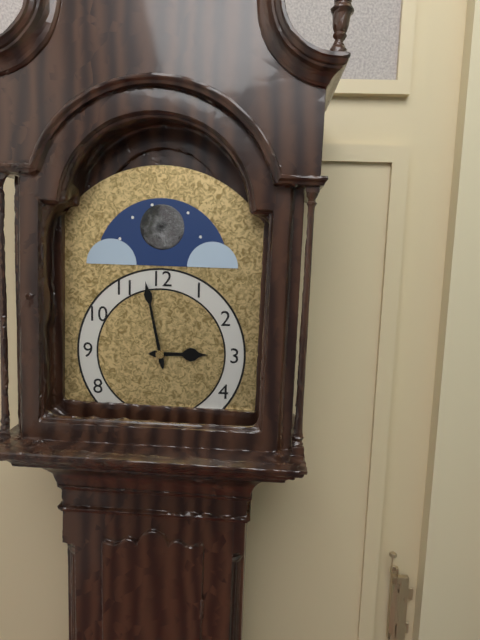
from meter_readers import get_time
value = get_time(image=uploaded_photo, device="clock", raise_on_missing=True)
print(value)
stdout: 2:58
